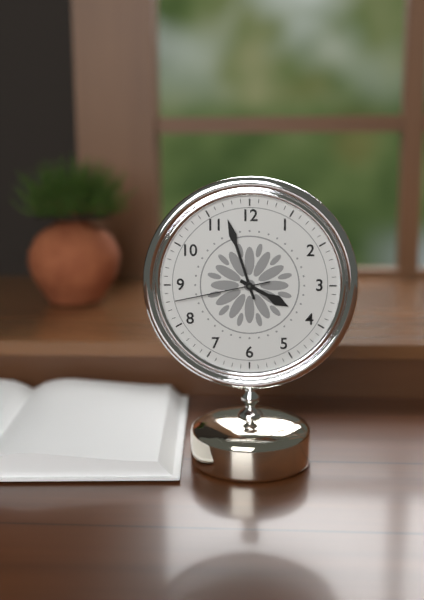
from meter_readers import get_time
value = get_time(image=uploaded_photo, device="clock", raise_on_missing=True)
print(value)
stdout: 3:57:43
